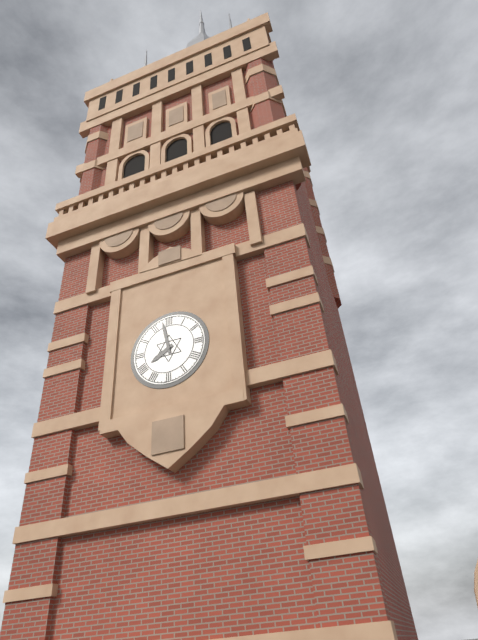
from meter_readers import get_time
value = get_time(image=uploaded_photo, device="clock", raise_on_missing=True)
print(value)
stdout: 7:58
